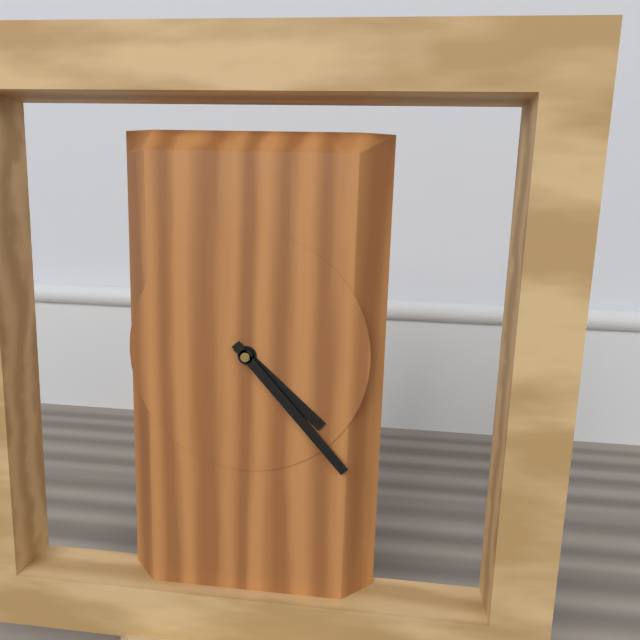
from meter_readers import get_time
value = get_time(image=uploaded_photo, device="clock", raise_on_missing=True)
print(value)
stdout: 4:23
